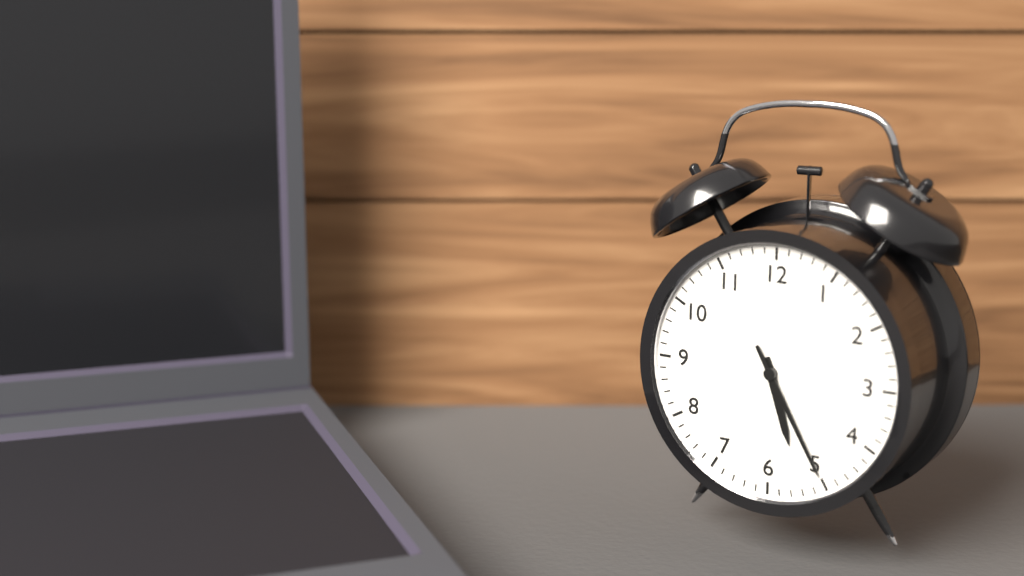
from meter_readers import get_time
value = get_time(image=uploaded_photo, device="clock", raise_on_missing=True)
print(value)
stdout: 5:25
